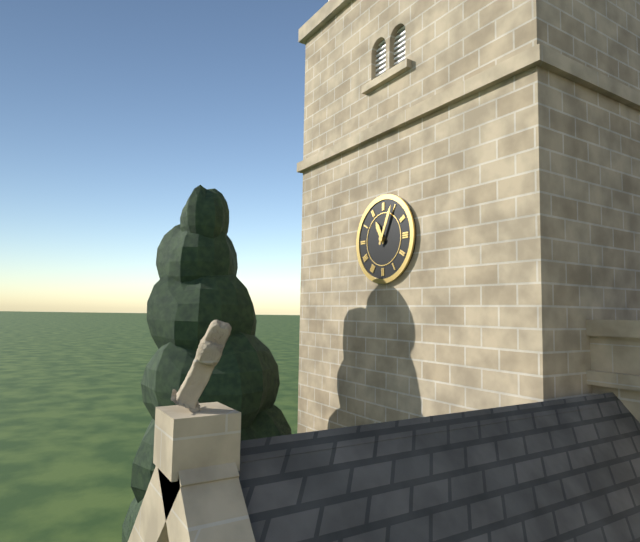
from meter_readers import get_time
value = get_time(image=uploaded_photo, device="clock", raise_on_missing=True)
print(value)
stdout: 11:04
